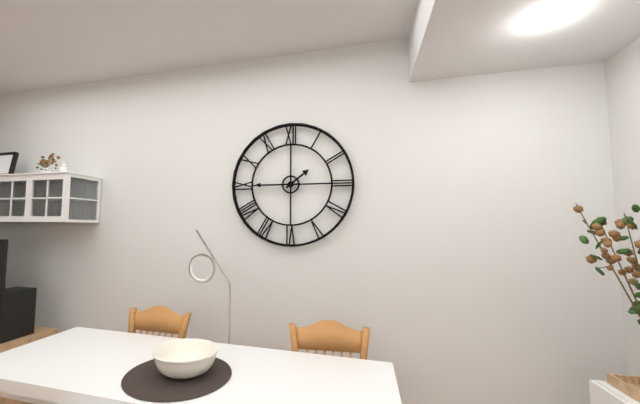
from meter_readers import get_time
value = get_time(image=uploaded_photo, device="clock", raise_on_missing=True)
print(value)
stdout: 1:45
